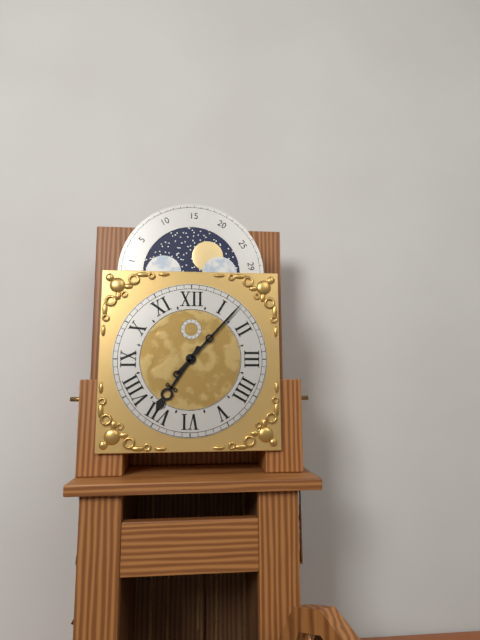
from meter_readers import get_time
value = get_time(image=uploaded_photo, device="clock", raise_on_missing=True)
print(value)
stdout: 7:07
